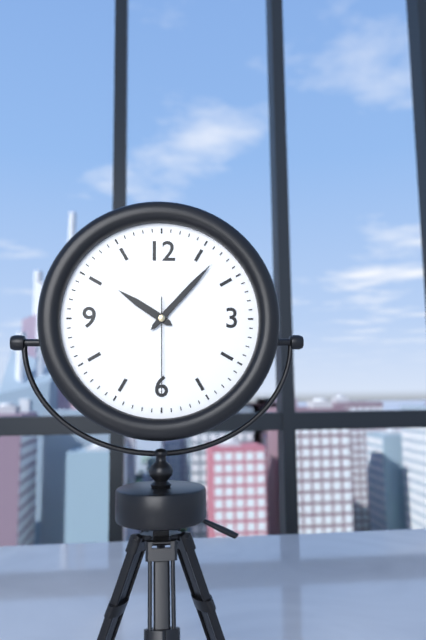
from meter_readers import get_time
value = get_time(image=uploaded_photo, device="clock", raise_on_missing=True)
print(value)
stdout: 10:07:30
